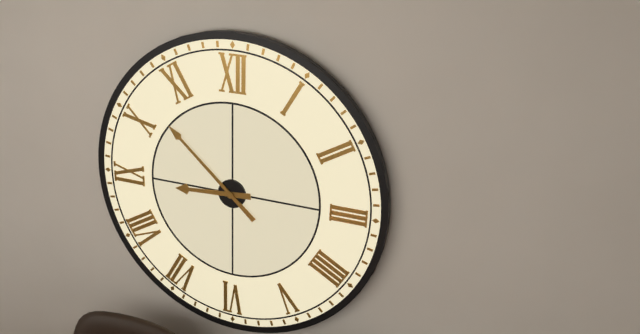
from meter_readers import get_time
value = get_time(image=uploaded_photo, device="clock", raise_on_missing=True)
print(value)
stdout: 8:52
